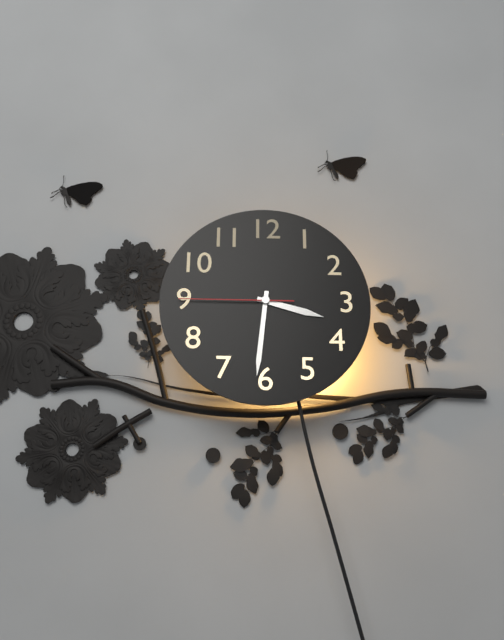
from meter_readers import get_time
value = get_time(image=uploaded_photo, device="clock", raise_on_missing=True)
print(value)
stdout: 3:31:45
